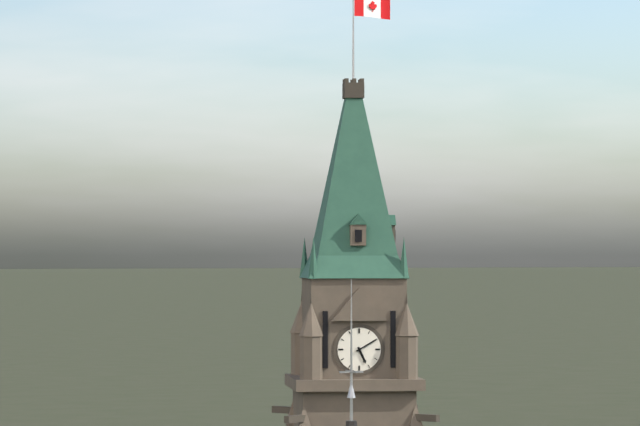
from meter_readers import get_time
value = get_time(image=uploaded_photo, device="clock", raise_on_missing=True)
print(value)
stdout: 5:10
